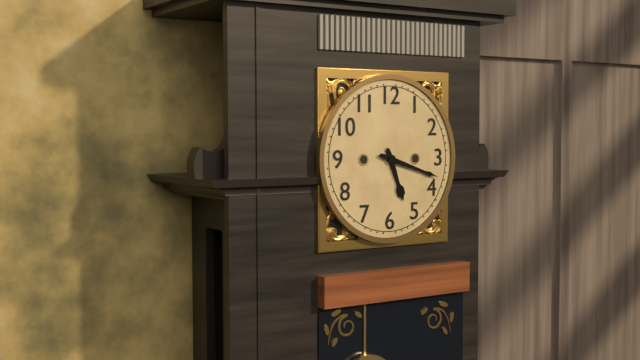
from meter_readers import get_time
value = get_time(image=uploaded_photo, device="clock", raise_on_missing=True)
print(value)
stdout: 5:18
